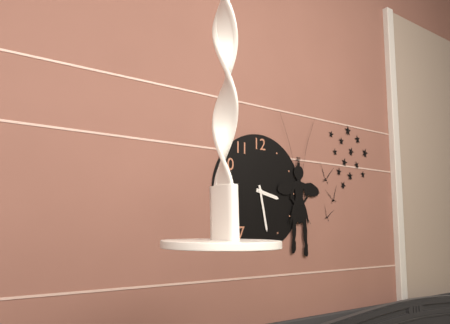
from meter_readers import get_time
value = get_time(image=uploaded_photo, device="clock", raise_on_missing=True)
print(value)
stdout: 3:28
